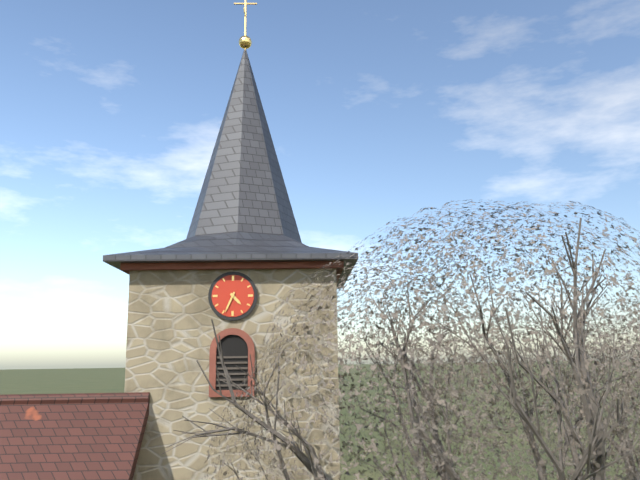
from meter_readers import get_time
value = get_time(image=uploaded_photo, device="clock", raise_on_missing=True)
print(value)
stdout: 4:34
